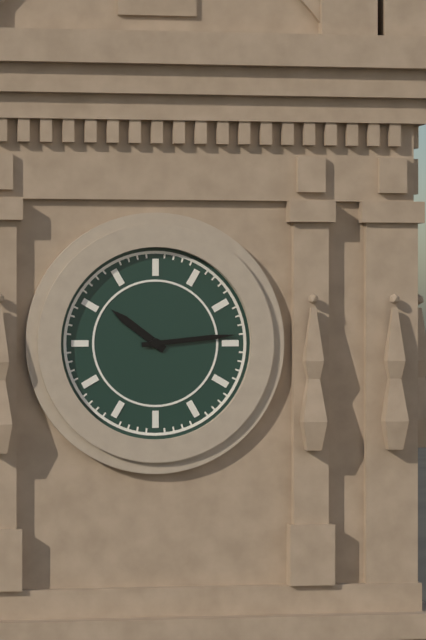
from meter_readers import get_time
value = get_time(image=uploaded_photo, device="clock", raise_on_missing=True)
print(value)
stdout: 10:14
